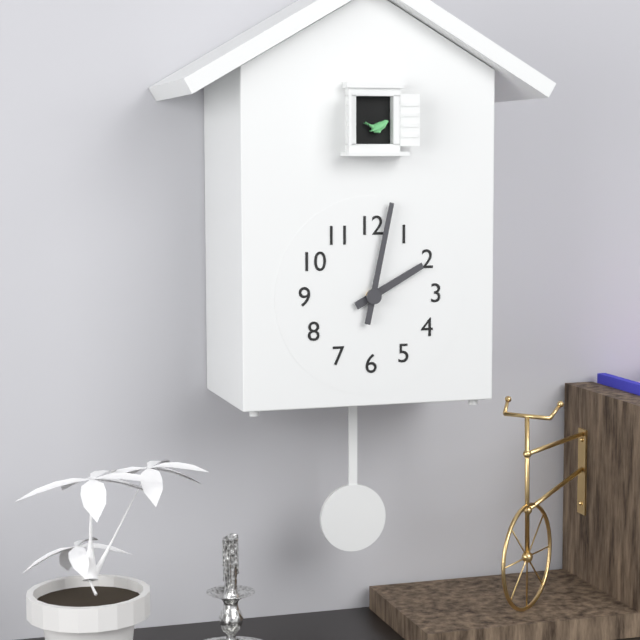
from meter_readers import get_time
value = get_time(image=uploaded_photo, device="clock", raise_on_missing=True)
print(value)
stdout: 2:02
